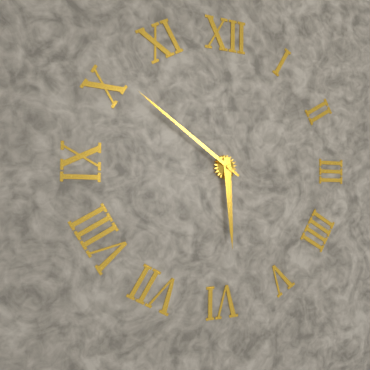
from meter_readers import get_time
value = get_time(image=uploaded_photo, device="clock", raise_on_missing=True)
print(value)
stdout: 5:51
